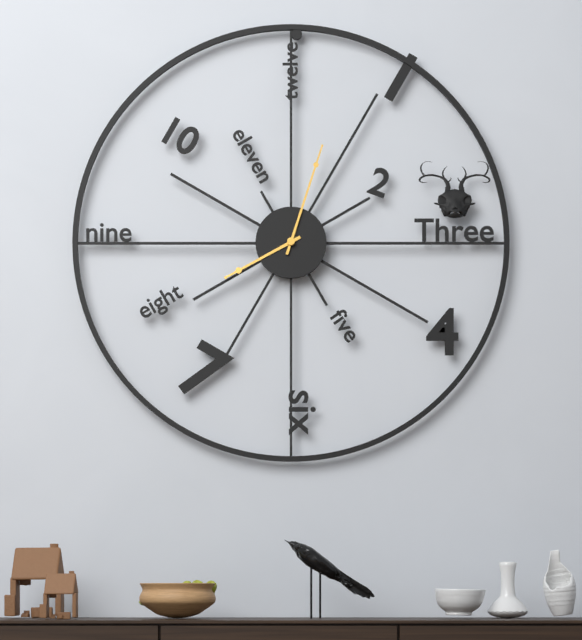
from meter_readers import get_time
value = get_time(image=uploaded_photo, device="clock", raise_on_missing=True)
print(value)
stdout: 8:03
